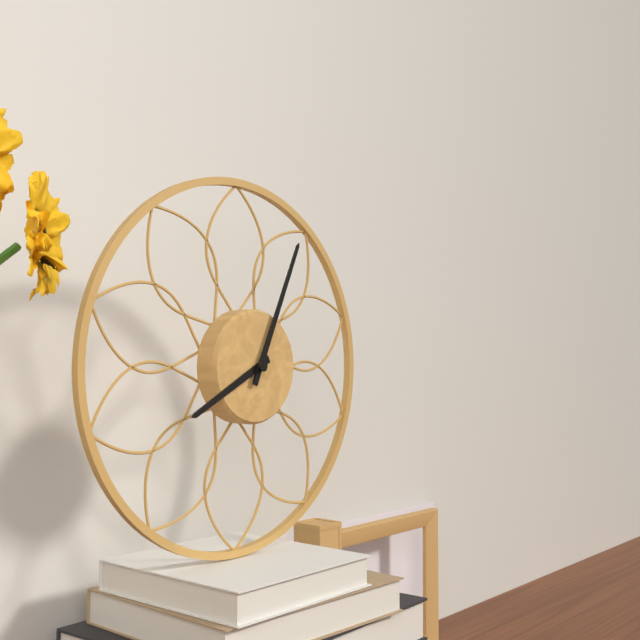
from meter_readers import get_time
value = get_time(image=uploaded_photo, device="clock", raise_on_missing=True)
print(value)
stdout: 8:04
